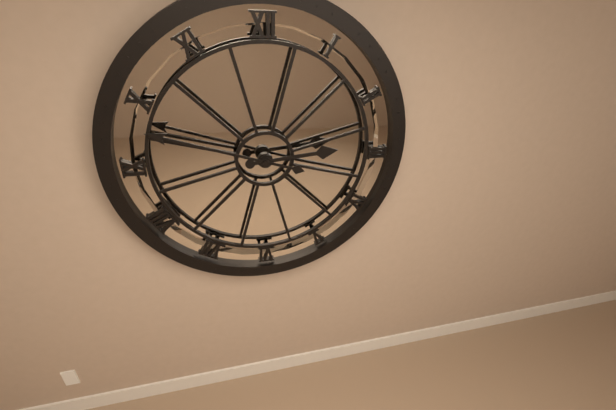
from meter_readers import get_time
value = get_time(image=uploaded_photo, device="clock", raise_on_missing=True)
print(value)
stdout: 2:48
